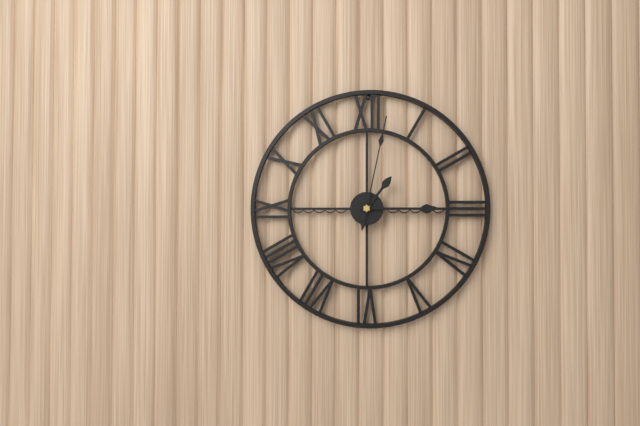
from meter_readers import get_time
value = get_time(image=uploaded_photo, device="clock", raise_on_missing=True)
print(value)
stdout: 1:15:02
